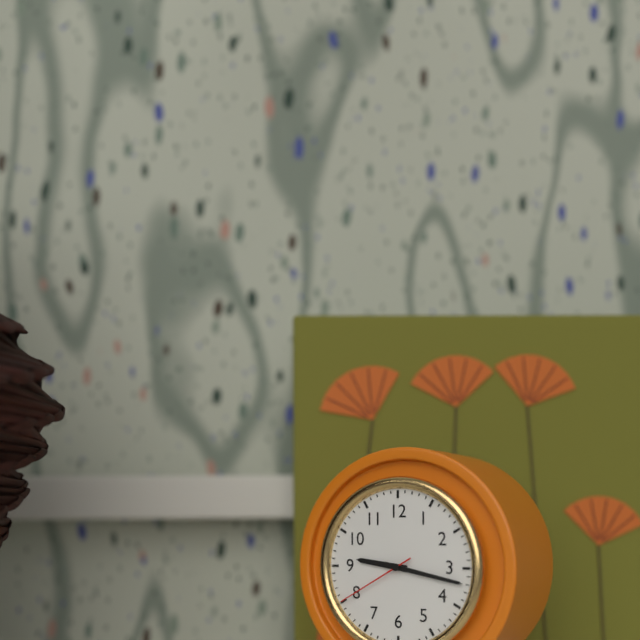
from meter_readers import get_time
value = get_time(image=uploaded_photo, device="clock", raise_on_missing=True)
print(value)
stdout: 9:17:40
